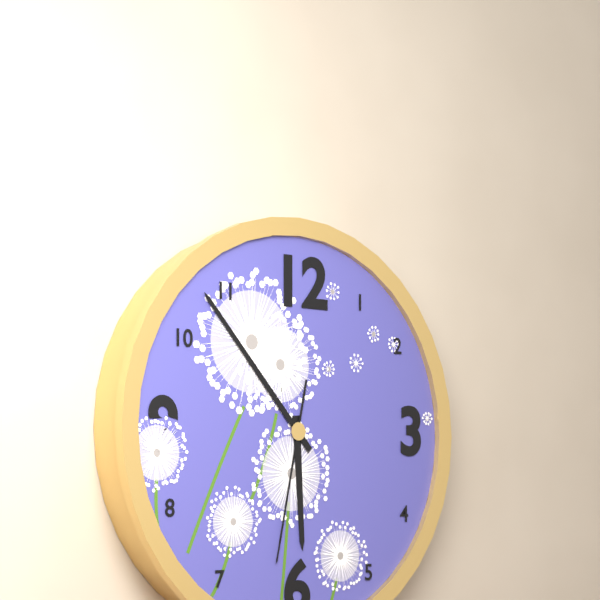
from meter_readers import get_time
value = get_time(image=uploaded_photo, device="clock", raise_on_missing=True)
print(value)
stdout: 5:53:32
